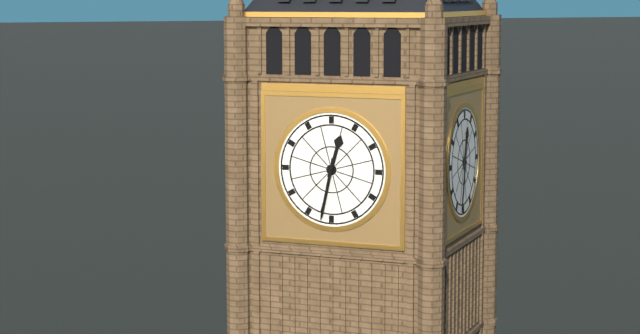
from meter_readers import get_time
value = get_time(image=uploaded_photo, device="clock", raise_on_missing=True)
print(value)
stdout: 12:32
